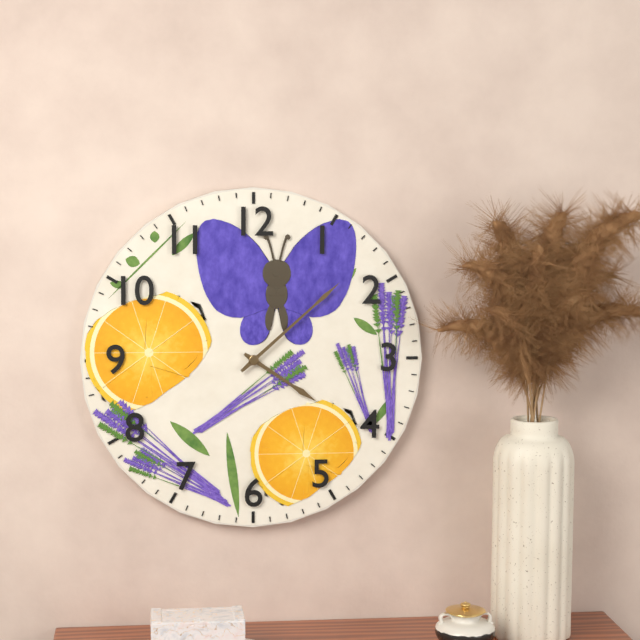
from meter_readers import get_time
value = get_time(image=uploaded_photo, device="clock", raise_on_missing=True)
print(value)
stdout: 4:08
